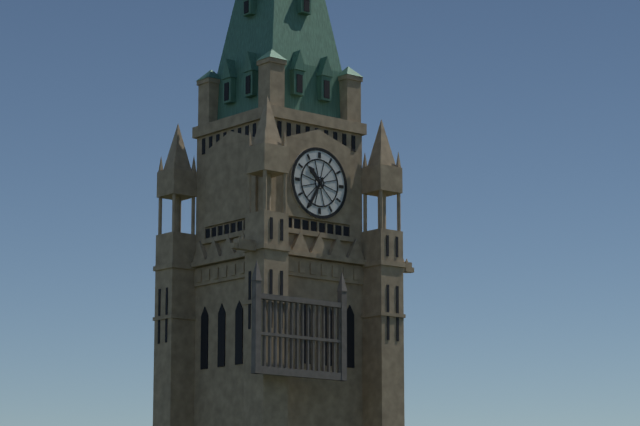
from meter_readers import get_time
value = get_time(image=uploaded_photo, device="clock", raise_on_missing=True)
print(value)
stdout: 10:35
